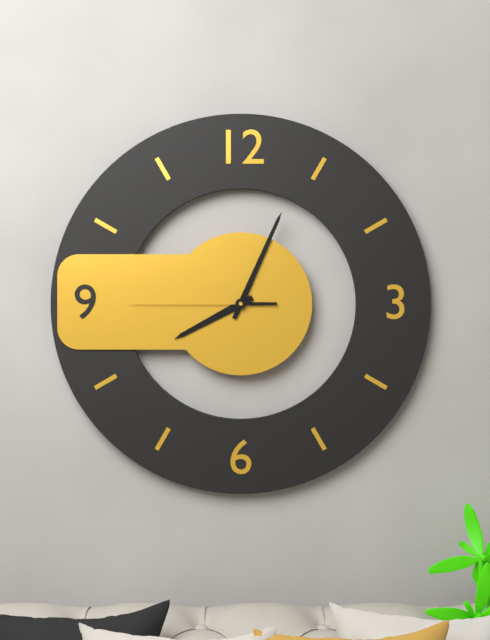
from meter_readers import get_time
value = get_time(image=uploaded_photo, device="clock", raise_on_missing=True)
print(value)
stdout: 8:04:45
